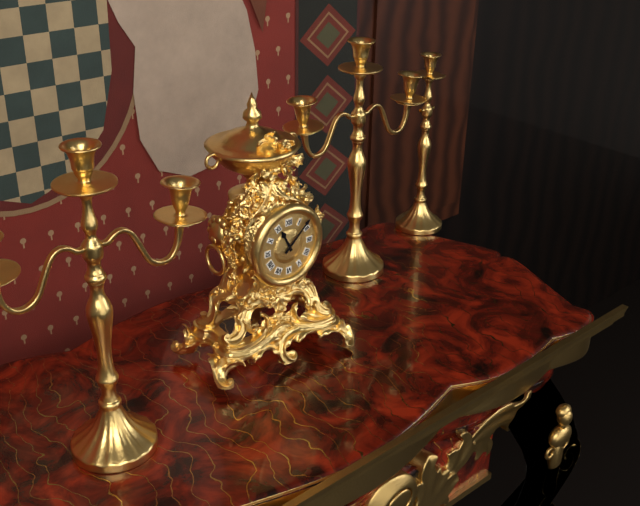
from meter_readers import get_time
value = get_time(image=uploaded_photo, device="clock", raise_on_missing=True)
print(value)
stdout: 11:08
